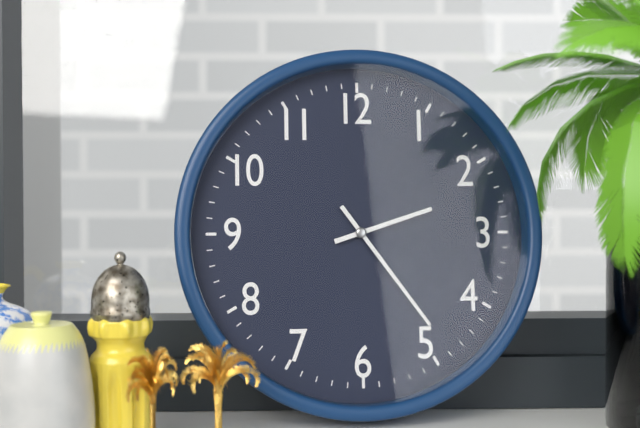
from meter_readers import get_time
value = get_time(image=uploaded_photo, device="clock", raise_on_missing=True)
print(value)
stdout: 2:24
